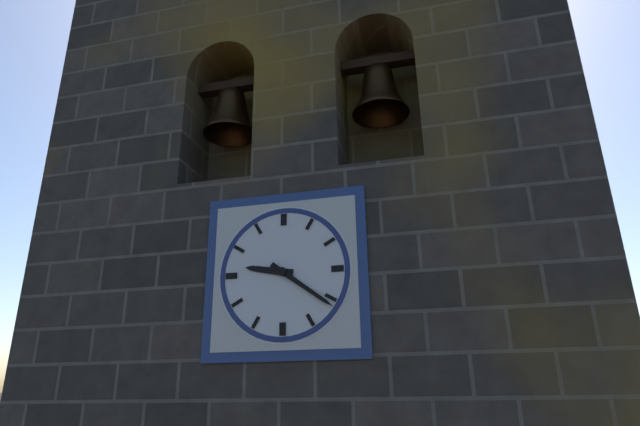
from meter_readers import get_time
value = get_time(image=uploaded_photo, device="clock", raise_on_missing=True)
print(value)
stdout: 9:21
